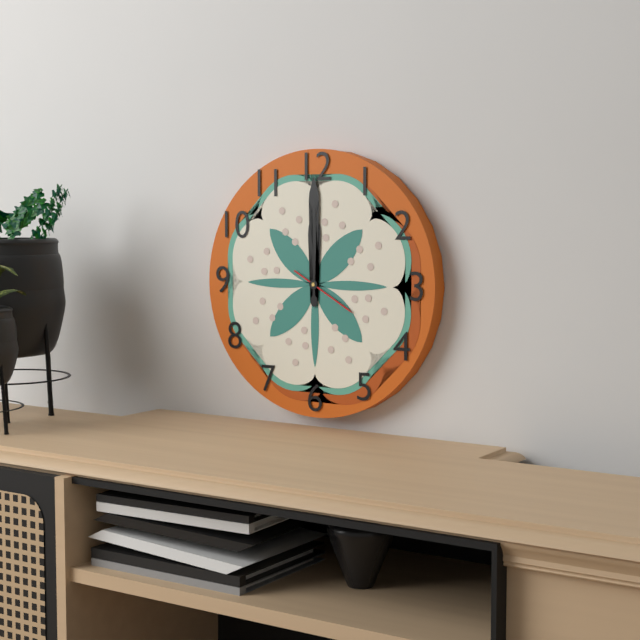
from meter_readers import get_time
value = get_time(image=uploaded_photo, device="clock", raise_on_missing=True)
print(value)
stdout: 12:00:20
